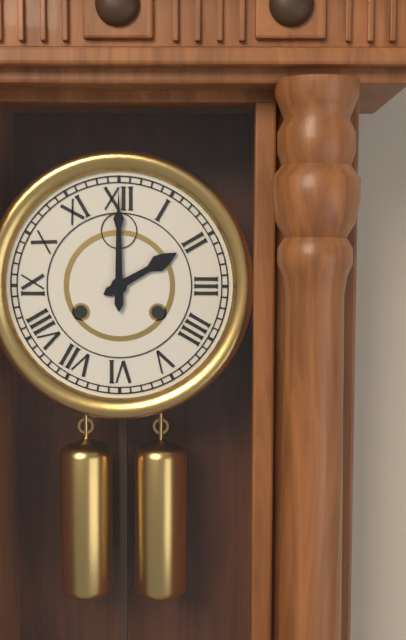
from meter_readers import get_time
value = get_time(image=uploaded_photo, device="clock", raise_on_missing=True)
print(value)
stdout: 2:00
